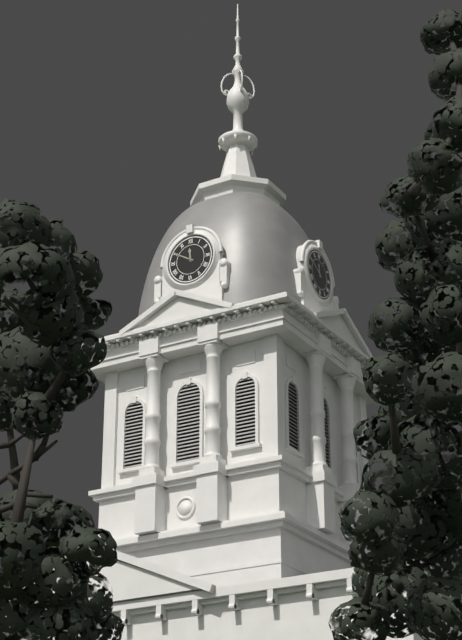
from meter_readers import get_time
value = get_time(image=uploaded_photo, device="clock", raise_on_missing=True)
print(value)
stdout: 11:50
